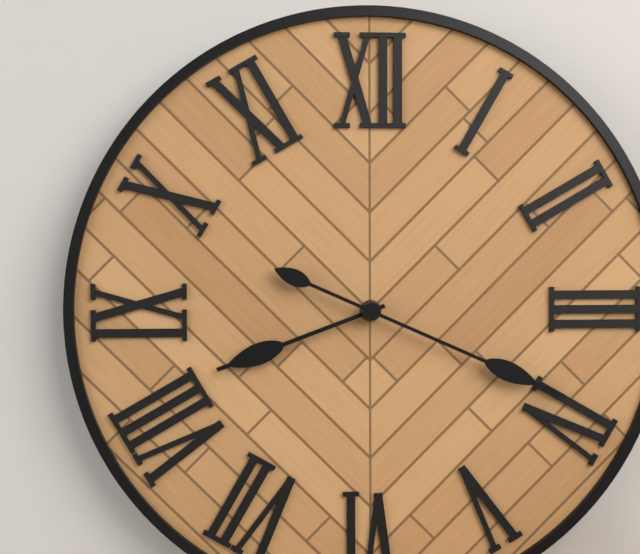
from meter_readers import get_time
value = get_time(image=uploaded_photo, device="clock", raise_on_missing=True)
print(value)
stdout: 8:19
